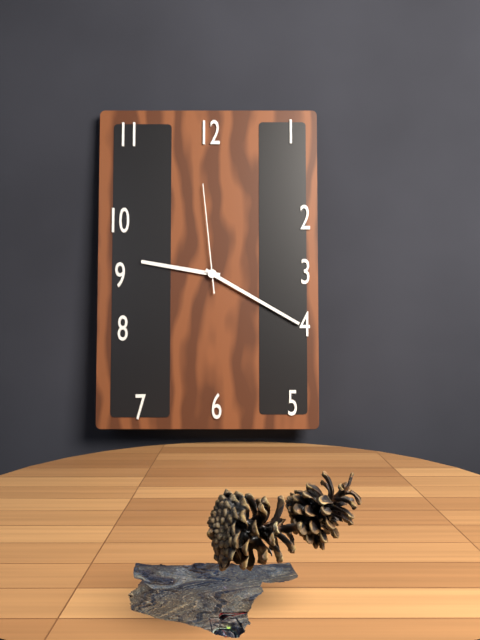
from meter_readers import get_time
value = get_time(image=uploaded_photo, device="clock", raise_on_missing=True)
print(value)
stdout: 9:20:59
